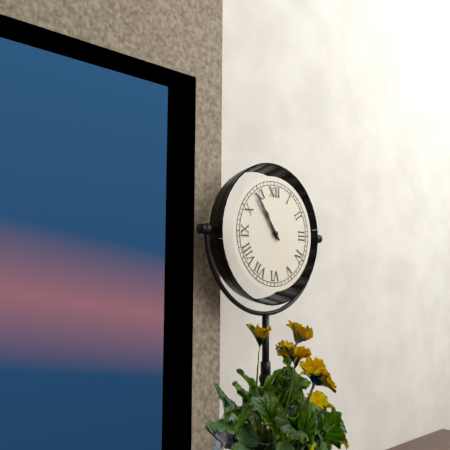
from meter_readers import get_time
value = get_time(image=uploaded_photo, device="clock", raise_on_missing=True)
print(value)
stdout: 10:54
